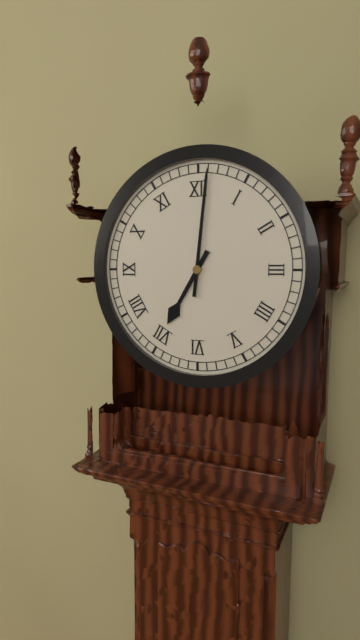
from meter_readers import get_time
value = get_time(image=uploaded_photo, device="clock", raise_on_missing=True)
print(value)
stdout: 7:01
